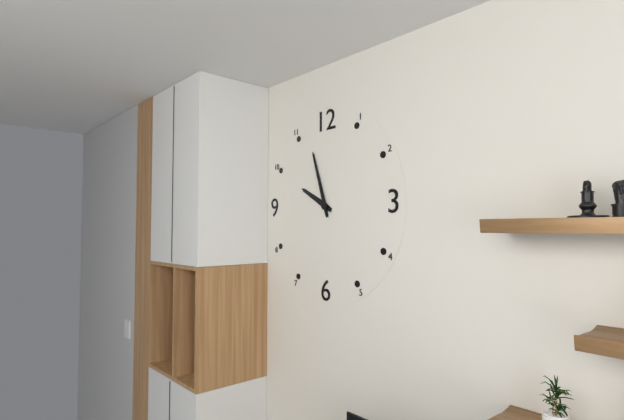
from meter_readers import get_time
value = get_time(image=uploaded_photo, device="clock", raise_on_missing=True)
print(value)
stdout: 9:57
